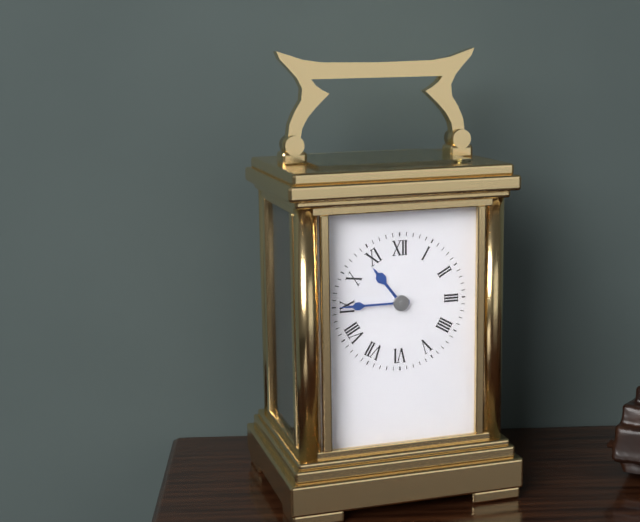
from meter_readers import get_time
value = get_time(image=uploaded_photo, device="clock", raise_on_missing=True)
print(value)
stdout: 10:45
